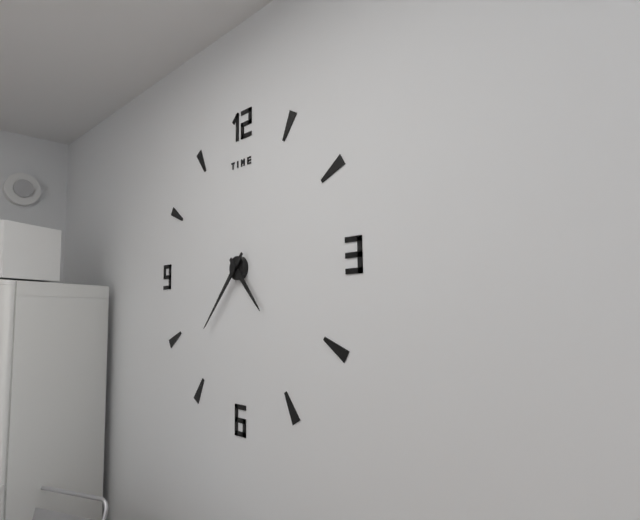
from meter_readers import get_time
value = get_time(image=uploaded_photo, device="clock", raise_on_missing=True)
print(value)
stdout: 4:37
